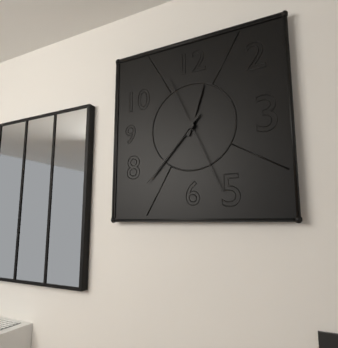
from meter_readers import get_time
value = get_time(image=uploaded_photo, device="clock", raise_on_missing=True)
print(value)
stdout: 12:37:26
